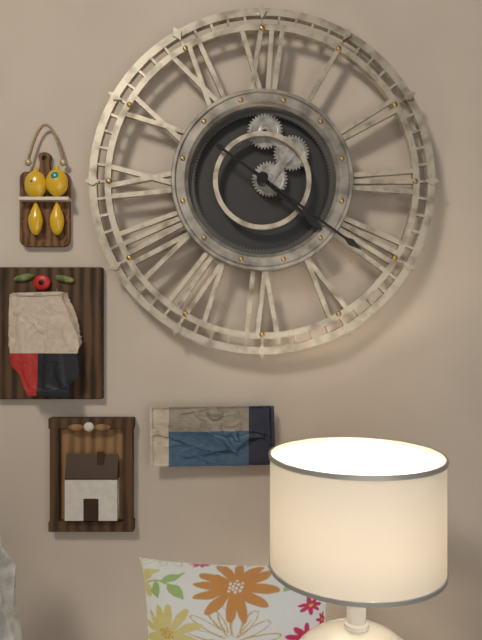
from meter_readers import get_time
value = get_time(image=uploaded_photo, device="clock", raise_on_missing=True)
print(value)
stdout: 4:21
